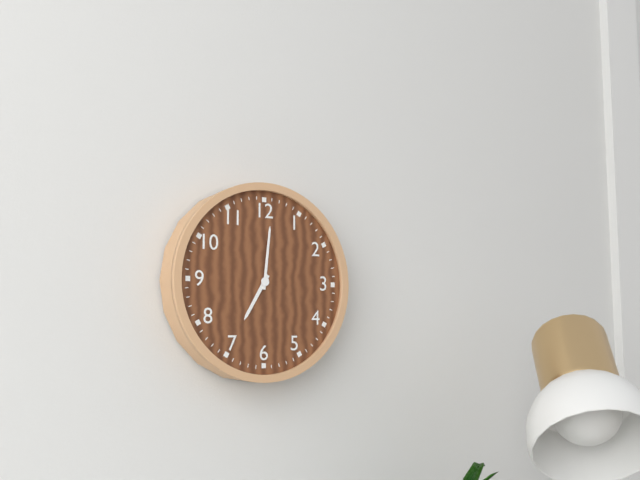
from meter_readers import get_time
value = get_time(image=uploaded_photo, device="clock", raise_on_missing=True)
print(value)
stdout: 7:01
